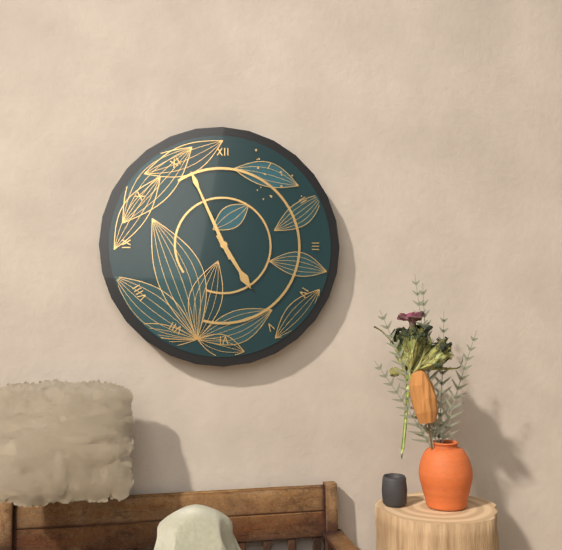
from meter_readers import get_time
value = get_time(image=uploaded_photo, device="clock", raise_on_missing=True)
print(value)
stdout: 4:56
